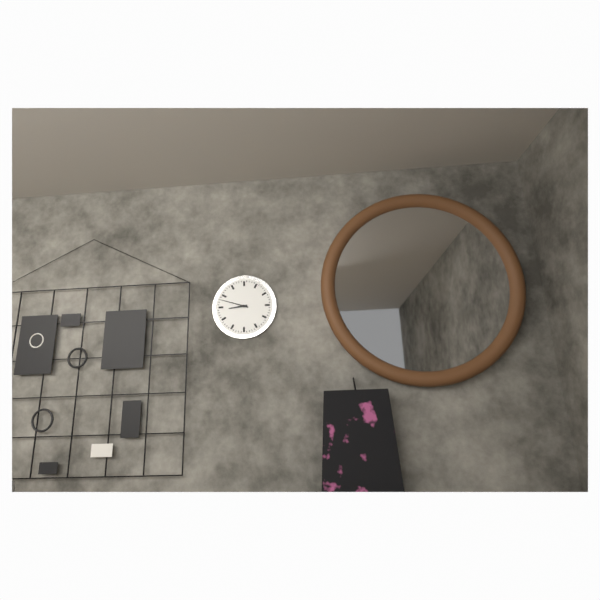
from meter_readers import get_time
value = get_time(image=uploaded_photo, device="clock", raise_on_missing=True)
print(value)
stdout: 8:48
